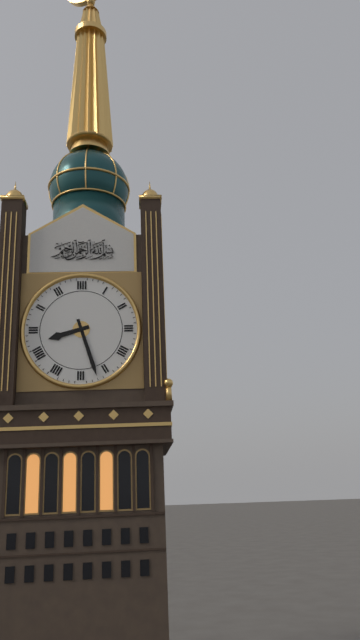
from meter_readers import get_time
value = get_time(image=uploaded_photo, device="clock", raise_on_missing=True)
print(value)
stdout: 8:27
